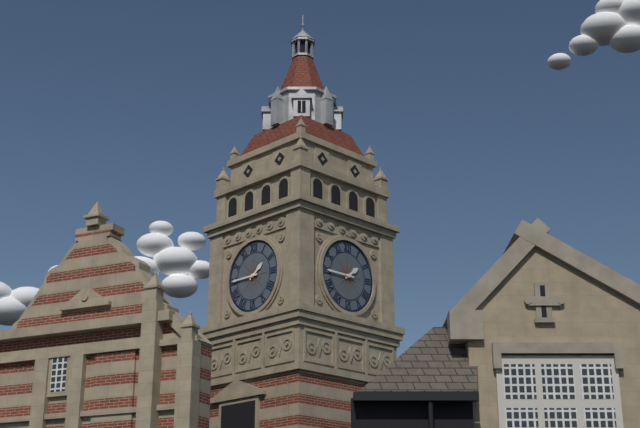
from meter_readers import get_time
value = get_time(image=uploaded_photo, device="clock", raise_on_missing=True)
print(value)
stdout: 1:45
